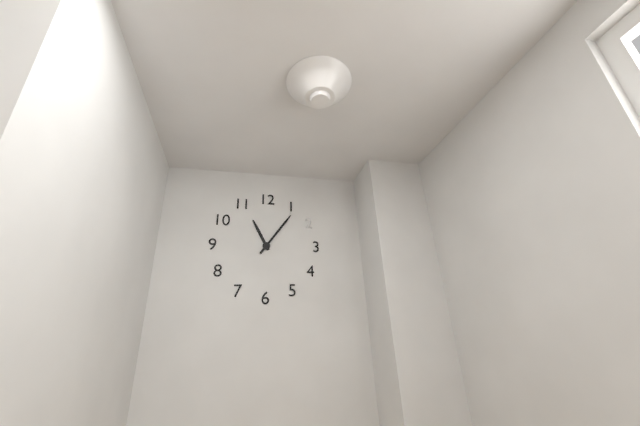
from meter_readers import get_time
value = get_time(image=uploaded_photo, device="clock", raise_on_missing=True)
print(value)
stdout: 11:06
